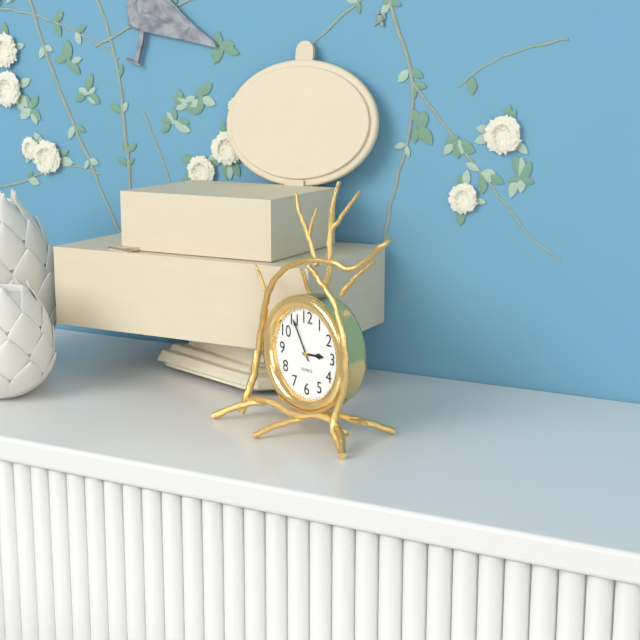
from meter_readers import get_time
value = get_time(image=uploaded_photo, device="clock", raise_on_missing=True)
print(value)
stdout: 2:55
